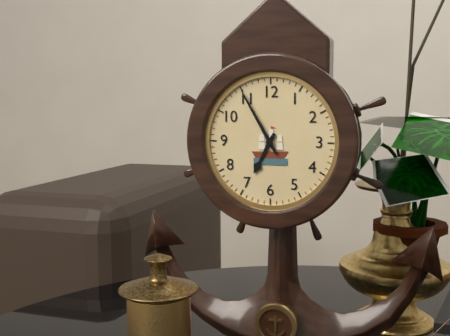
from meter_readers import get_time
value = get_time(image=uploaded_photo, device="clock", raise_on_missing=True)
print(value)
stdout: 6:55
